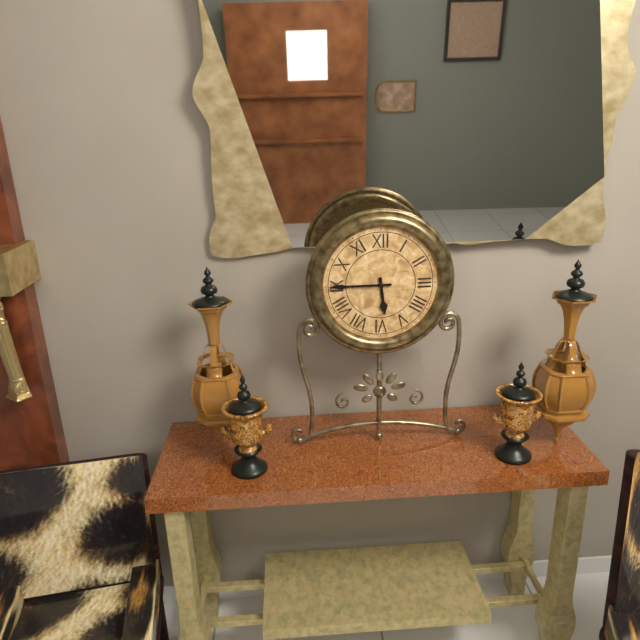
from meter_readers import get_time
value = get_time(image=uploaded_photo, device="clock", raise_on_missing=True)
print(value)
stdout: 5:45
